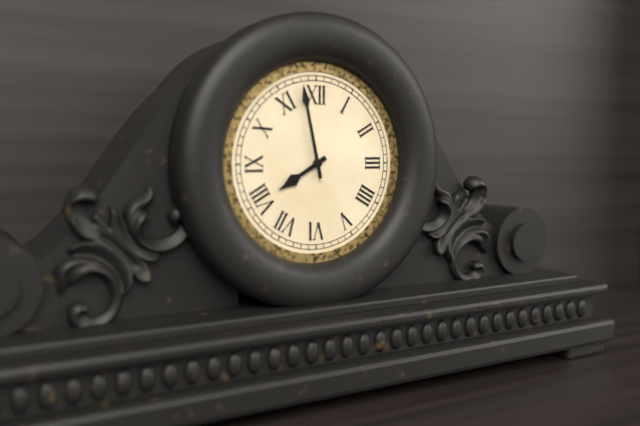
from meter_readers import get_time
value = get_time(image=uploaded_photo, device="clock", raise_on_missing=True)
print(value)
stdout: 7:58
